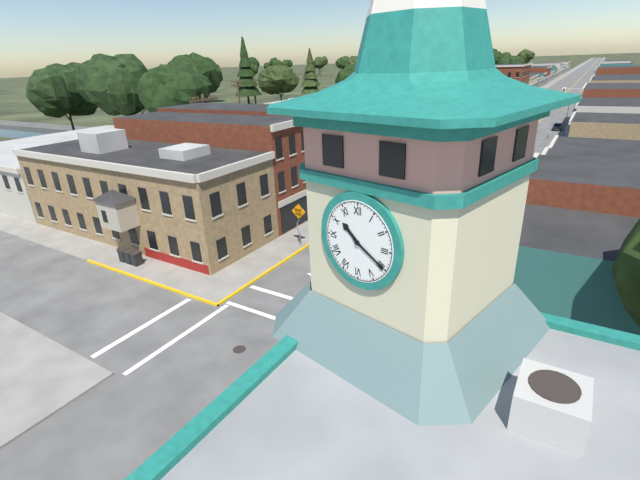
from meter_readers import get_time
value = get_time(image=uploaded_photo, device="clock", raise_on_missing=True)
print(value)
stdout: 10:20
